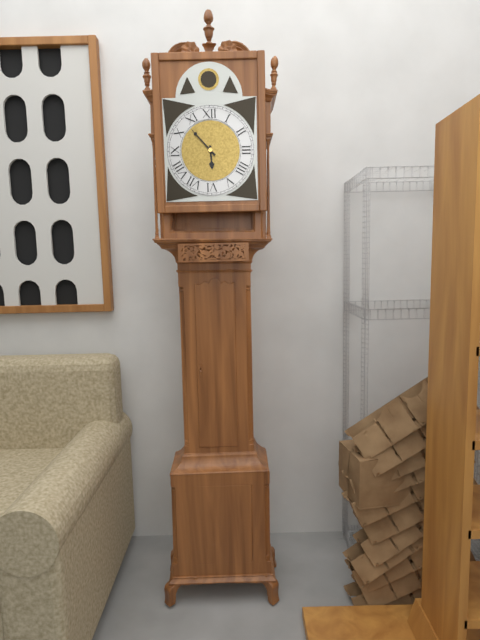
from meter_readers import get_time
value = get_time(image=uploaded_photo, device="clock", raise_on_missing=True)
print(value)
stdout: 5:53
